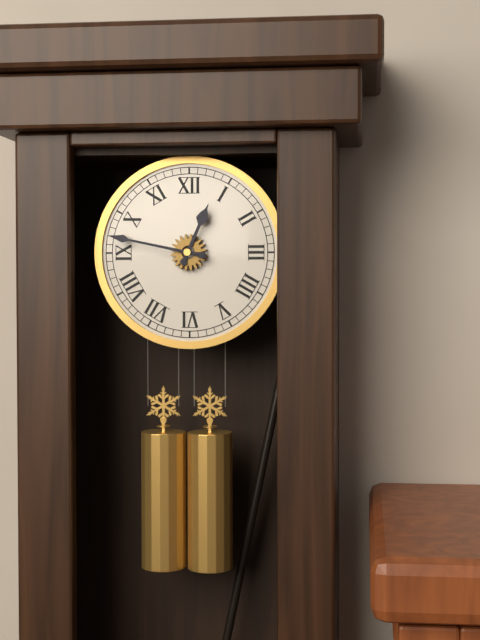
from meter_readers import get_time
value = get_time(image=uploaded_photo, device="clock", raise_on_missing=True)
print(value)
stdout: 12:47
